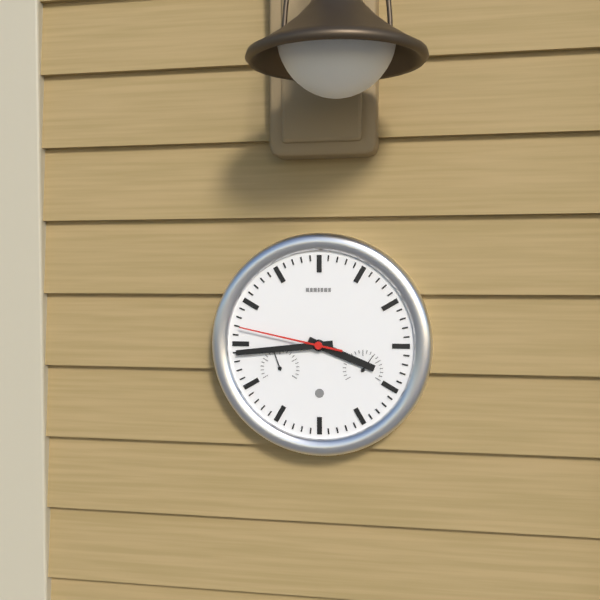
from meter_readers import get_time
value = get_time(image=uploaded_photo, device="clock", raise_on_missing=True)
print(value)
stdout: 3:44:47
